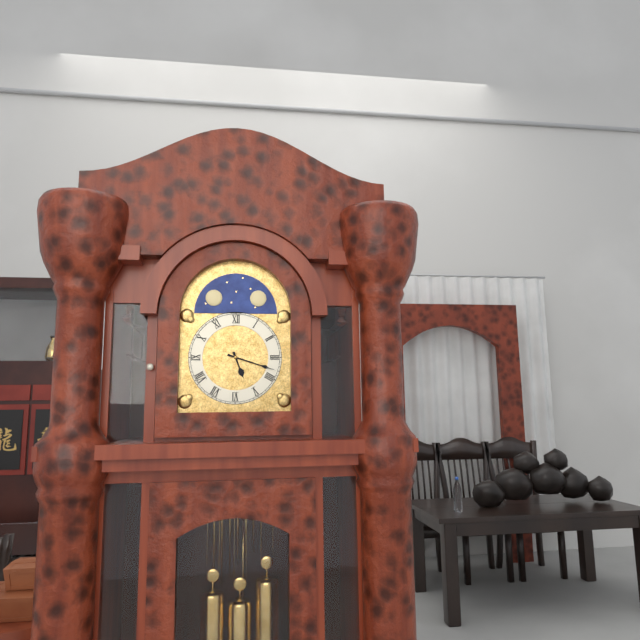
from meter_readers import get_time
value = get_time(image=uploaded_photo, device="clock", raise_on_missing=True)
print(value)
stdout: 5:18
